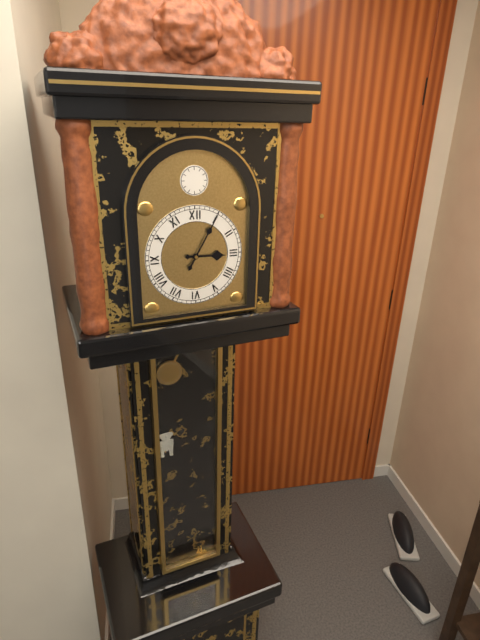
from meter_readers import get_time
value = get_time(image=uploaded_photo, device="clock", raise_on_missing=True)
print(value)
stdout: 3:05
